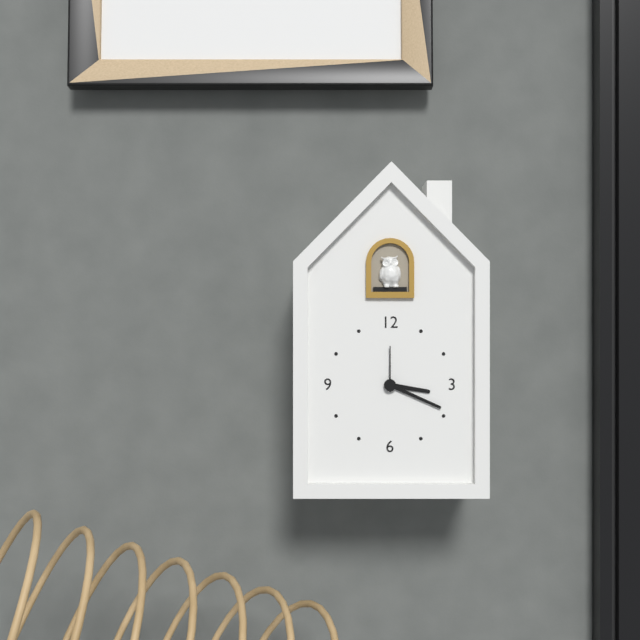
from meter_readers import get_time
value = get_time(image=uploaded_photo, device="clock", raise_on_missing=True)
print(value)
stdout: 3:19
